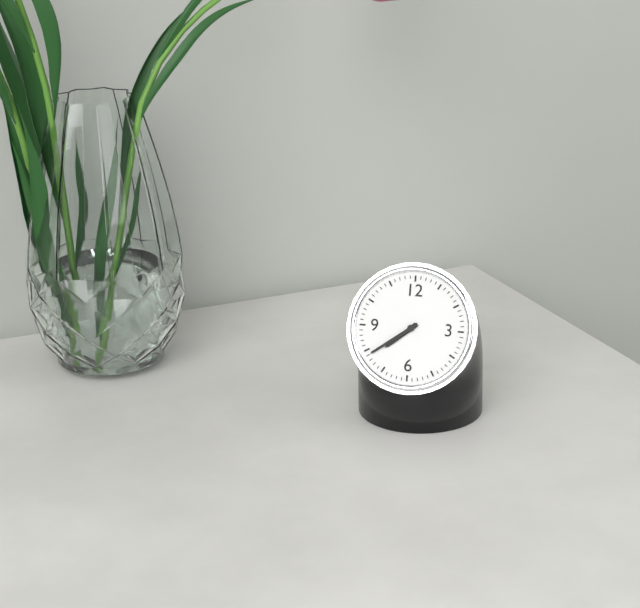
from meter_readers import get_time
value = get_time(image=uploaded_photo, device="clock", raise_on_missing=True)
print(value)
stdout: 7:39
